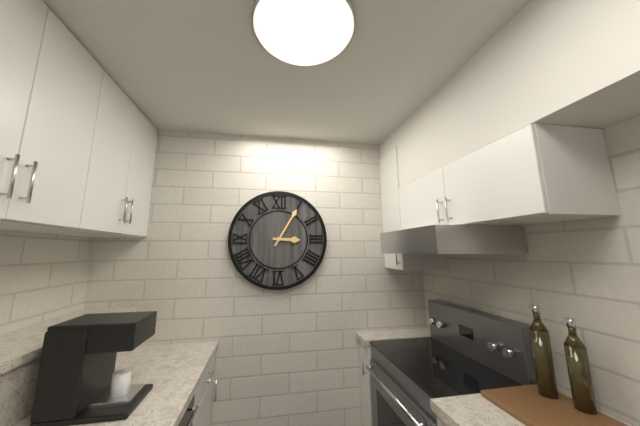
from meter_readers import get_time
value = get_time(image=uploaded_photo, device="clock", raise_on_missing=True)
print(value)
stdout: 3:05
